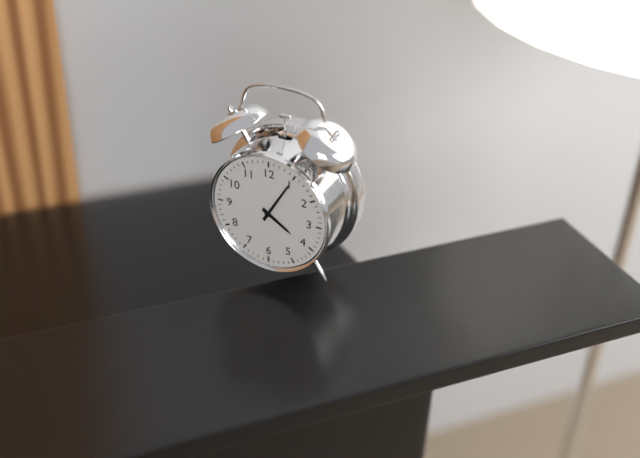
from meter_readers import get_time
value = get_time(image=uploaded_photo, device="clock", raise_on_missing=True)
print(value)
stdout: 4:05
